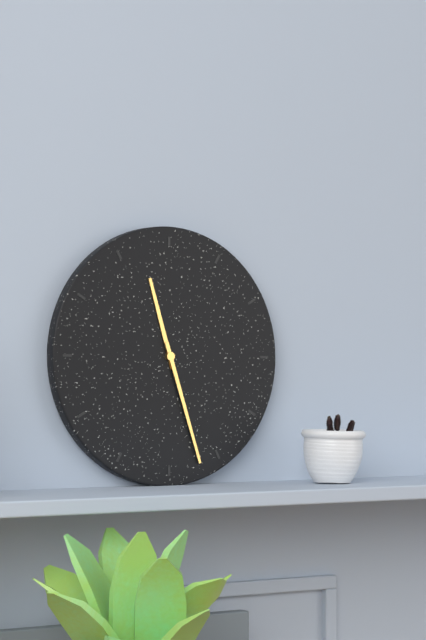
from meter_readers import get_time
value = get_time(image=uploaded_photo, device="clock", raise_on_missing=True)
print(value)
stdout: 11:27
